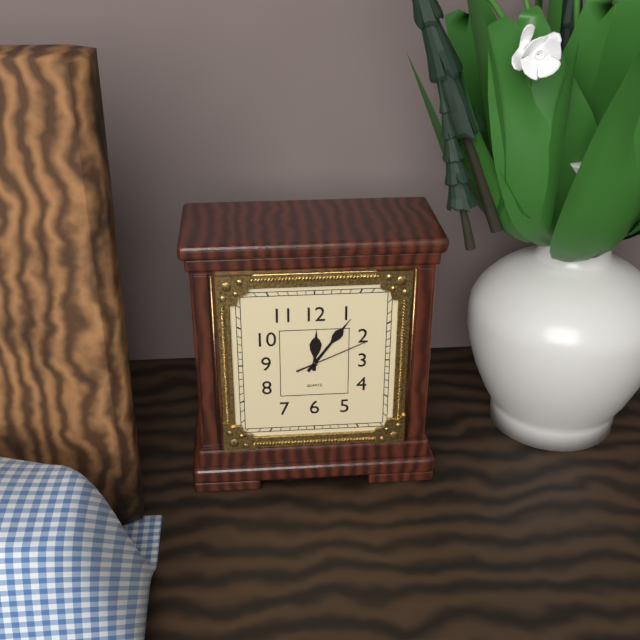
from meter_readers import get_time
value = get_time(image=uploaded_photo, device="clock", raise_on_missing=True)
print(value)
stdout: 12:06:11
